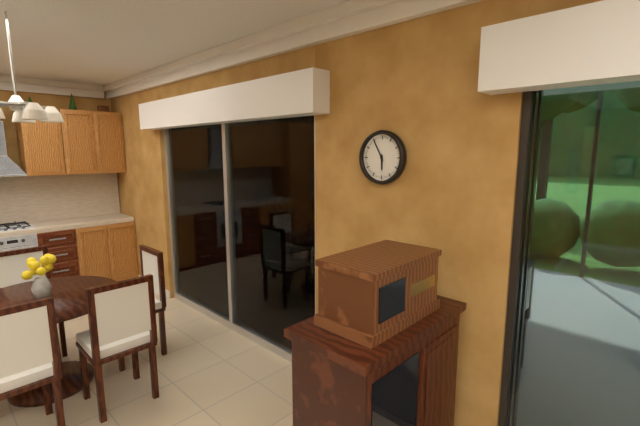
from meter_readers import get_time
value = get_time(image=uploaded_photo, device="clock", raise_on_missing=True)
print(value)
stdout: 5:55
